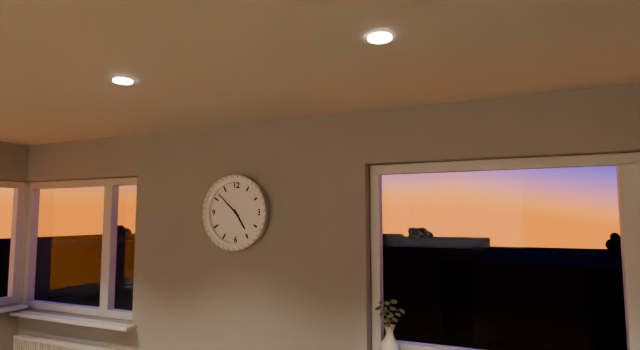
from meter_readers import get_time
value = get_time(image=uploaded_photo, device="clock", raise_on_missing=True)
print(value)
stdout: 4:52
